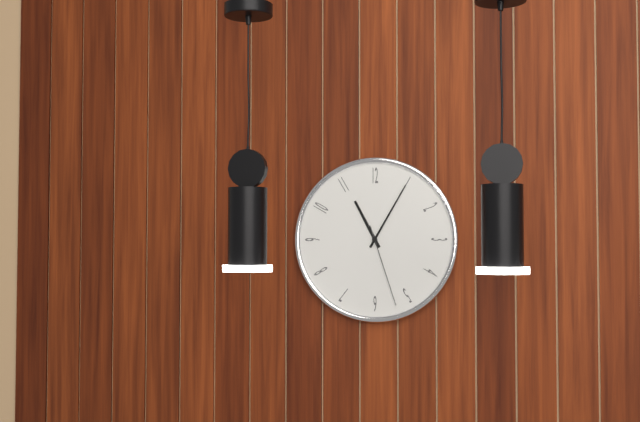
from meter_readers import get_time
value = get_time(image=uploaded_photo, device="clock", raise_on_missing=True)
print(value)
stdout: 11:05:27
